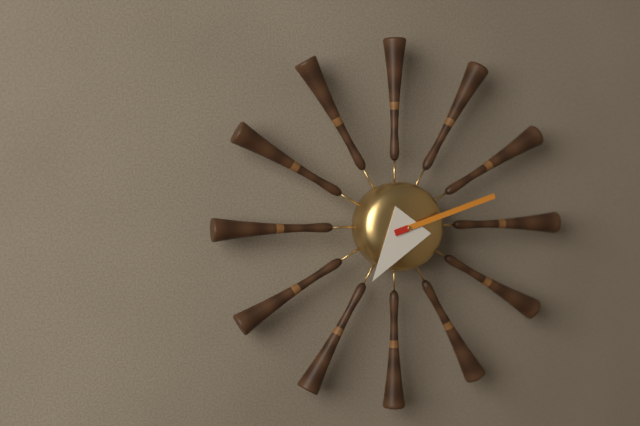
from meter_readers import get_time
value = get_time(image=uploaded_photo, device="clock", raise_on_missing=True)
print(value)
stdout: 7:12
